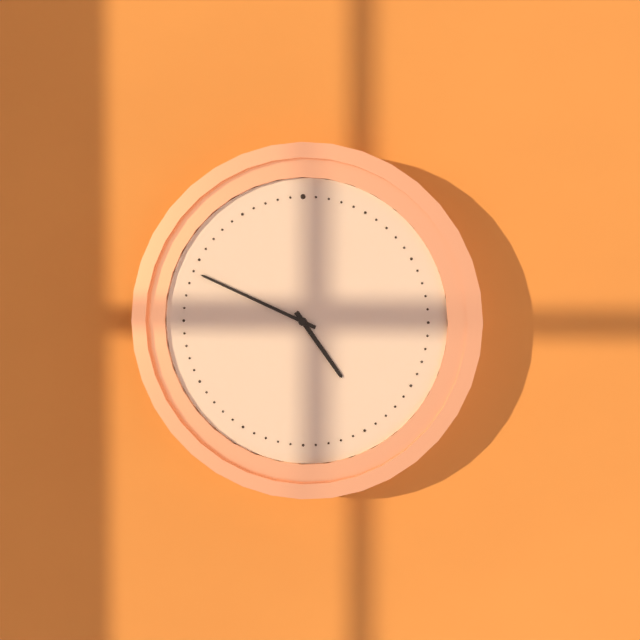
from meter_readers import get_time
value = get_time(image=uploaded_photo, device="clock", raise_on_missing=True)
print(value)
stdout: 4:49
